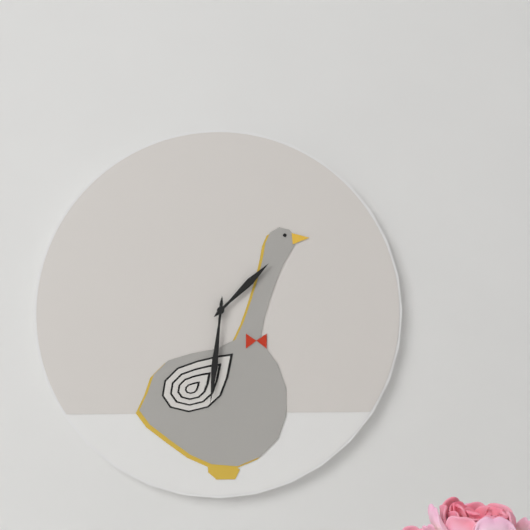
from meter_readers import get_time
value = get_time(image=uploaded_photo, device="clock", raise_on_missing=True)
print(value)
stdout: 1:31
